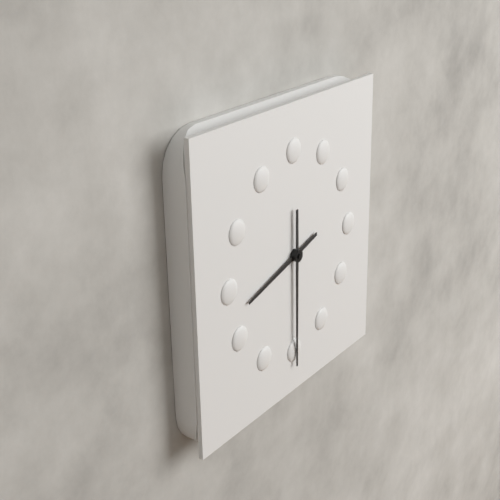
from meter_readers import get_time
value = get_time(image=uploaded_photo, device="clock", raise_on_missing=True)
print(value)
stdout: 8:30
